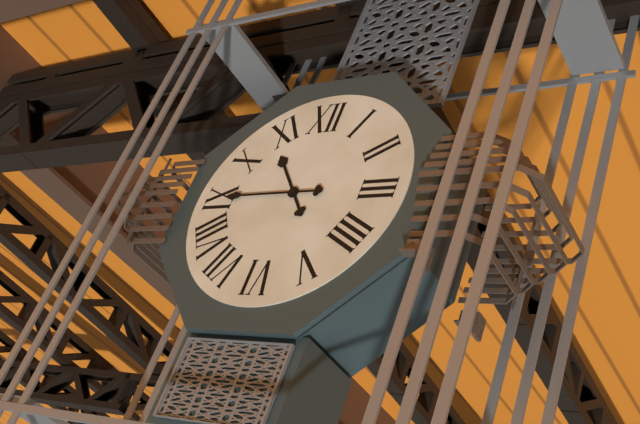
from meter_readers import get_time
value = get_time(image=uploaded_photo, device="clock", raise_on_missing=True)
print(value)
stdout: 10:45
